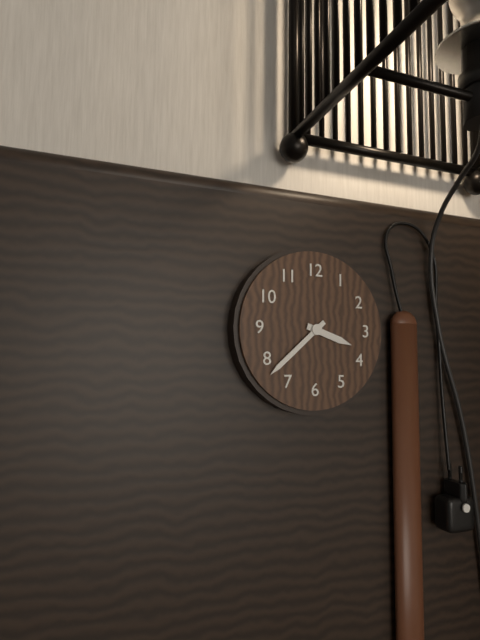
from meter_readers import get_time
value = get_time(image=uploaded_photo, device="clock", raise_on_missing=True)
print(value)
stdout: 3:38
